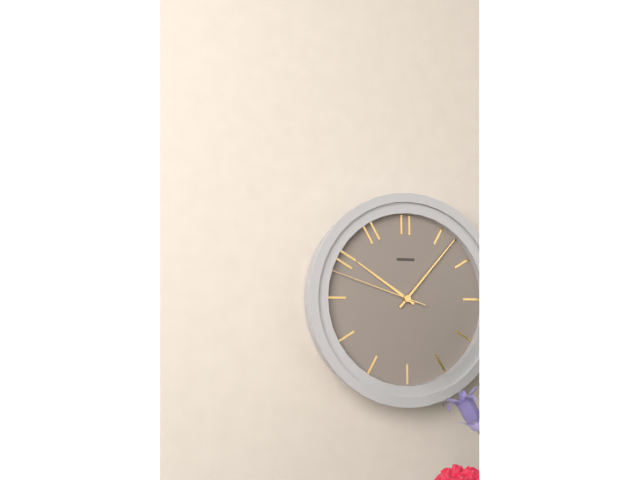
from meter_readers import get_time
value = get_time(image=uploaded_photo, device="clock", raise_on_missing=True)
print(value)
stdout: 10:07:48
